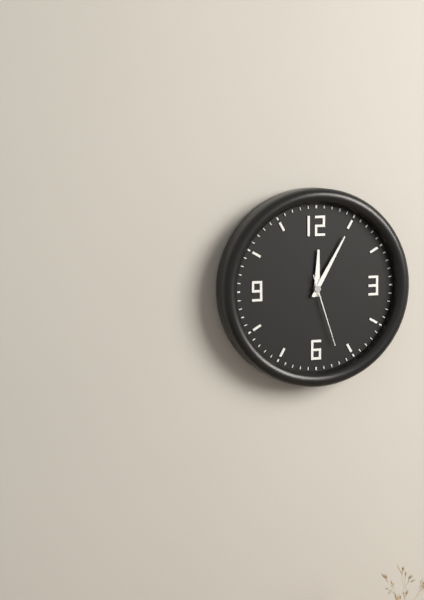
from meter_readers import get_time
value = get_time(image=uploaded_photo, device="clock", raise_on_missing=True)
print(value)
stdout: 12:05:27
